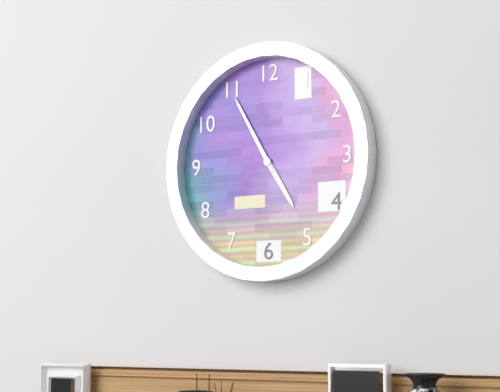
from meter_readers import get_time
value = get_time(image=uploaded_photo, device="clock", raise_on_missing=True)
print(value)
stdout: 4:55
